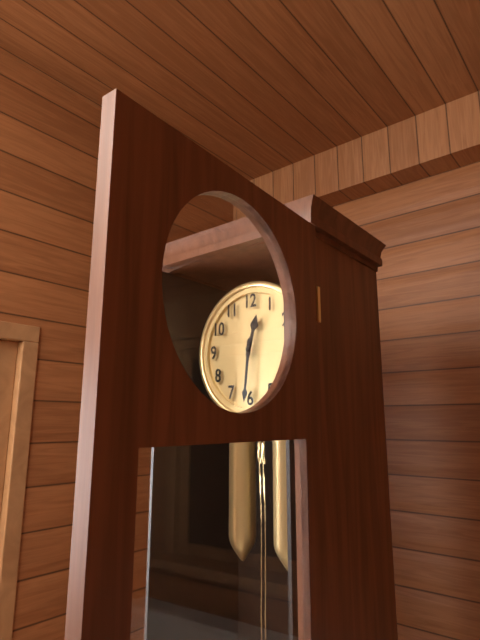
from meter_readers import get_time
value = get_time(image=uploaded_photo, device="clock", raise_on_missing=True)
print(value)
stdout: 12:31
